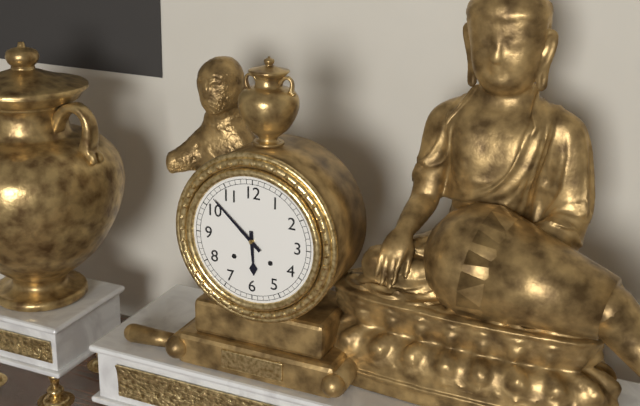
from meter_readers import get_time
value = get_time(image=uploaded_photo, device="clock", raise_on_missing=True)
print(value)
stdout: 5:52
